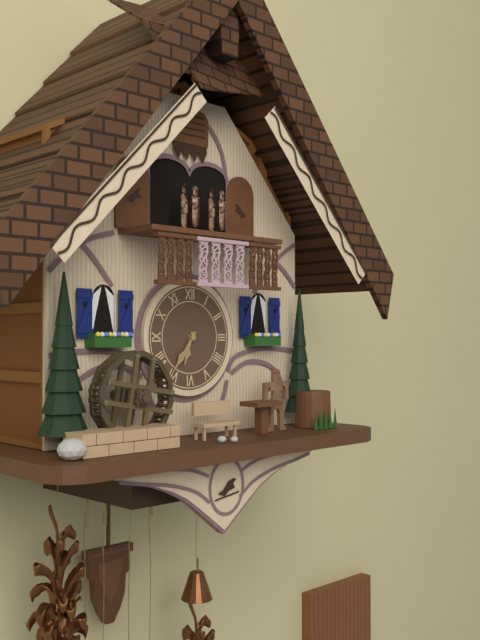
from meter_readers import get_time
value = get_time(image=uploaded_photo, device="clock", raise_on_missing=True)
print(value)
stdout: 6:36
